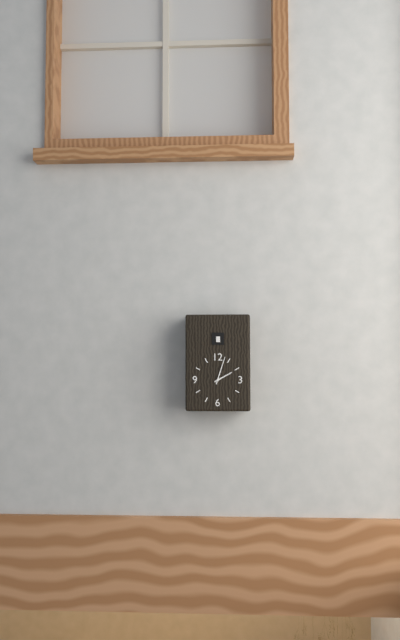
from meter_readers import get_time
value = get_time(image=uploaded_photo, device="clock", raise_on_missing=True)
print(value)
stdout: 2:03
